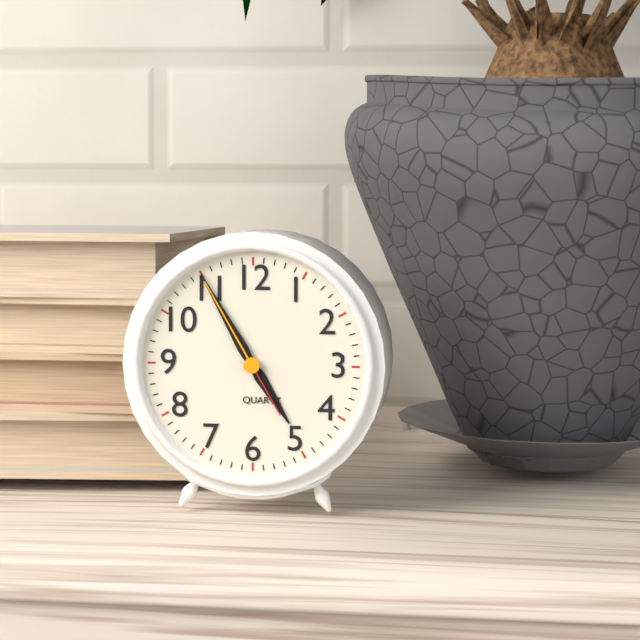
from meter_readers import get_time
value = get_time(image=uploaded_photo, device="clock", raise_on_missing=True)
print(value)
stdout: 4:55:55
